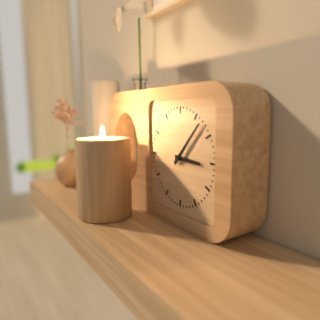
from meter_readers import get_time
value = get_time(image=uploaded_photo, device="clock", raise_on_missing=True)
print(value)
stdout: 3:07
